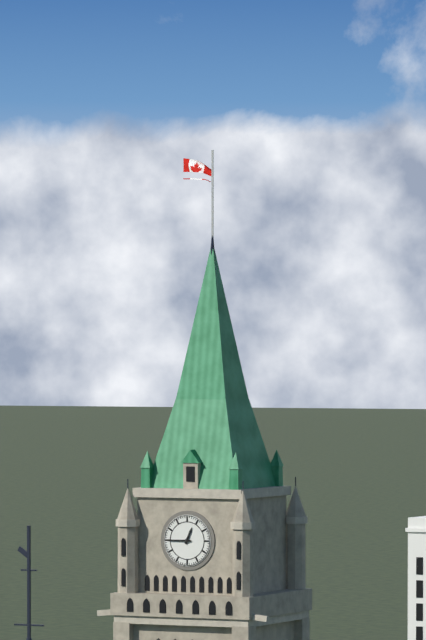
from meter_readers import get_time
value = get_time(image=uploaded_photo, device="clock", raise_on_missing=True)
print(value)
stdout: 12:45
